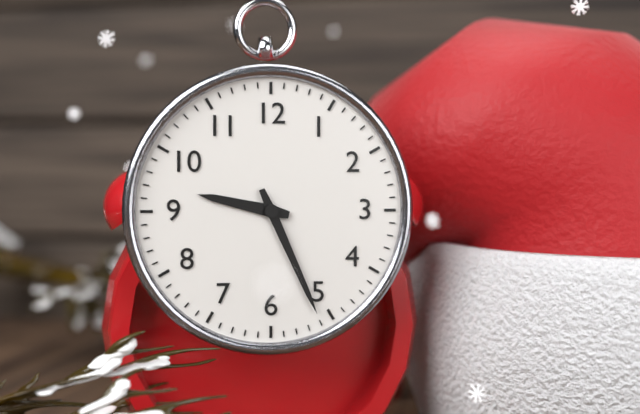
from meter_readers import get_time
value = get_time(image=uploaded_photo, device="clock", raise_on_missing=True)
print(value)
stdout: 9:26
